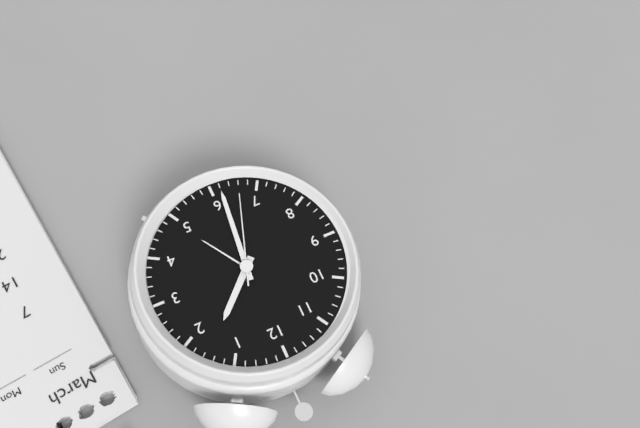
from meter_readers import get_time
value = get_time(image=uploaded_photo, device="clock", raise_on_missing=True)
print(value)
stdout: 1:31:33
